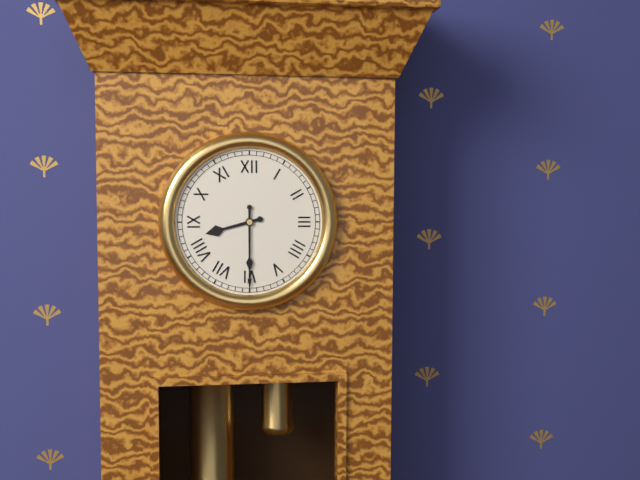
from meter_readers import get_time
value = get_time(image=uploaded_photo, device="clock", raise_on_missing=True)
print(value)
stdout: 8:30
